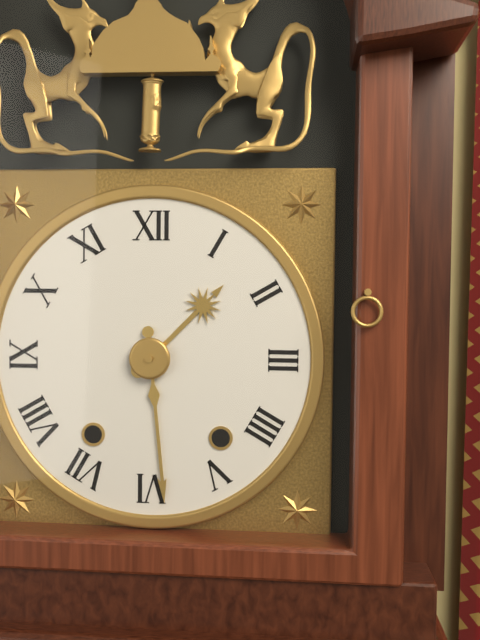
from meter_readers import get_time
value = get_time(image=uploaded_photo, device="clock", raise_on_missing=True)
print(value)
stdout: 1:29
